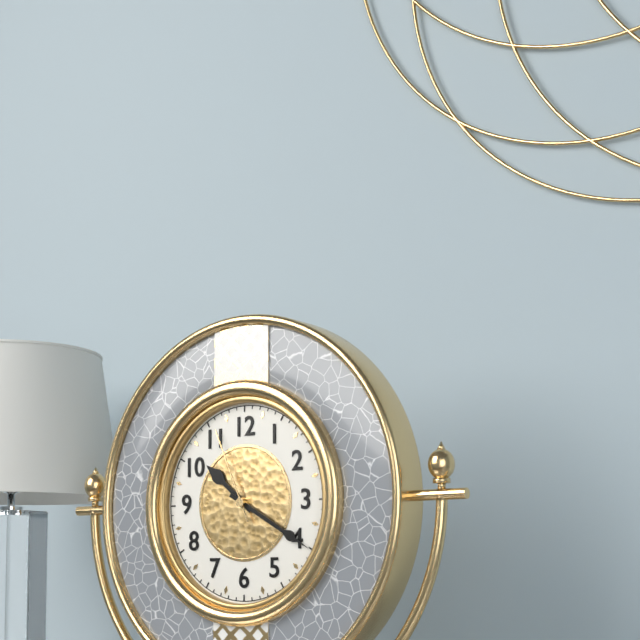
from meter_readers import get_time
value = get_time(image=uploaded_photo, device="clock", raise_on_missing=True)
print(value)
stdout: 10:20:56
